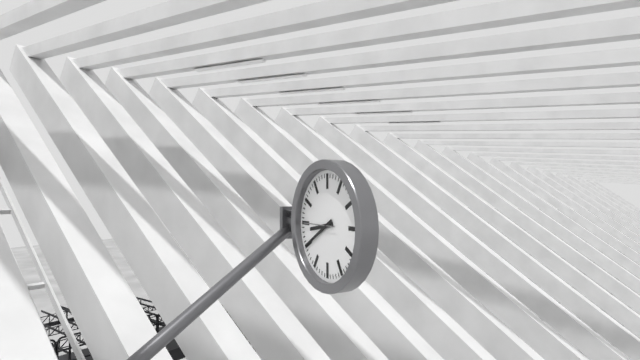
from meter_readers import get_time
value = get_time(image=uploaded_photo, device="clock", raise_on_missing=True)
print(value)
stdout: 8:40
